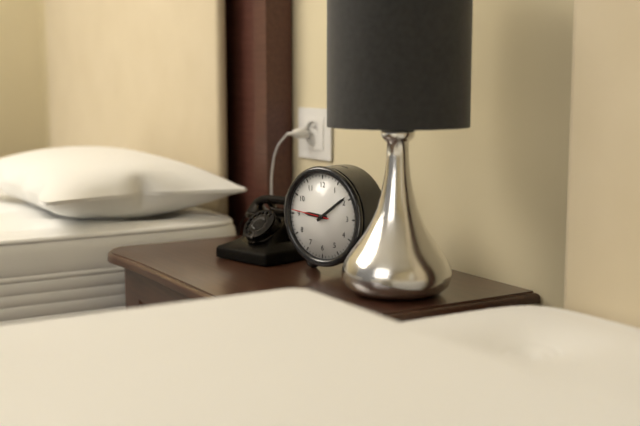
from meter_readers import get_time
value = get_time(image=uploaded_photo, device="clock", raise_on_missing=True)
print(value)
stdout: 9:09
